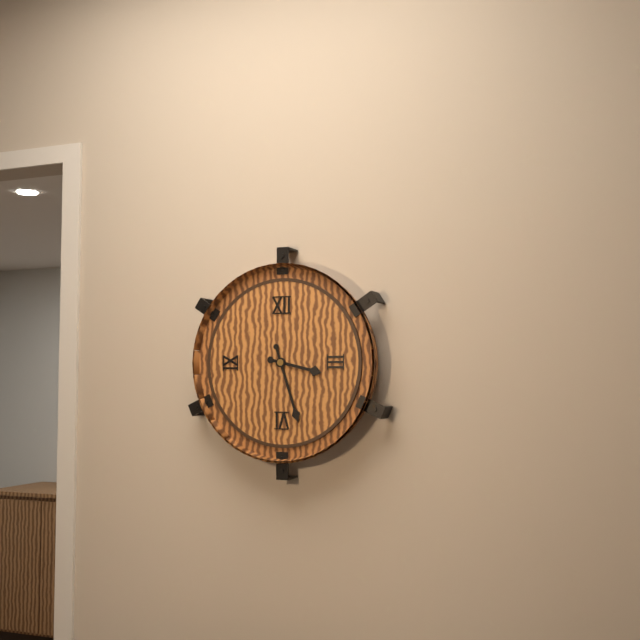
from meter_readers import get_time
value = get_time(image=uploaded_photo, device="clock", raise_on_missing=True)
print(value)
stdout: 3:27
